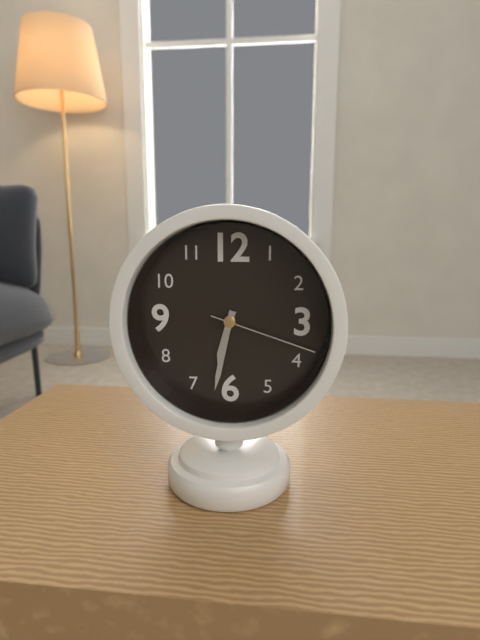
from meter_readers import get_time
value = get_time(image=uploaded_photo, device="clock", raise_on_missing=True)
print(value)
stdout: 6:32:18
